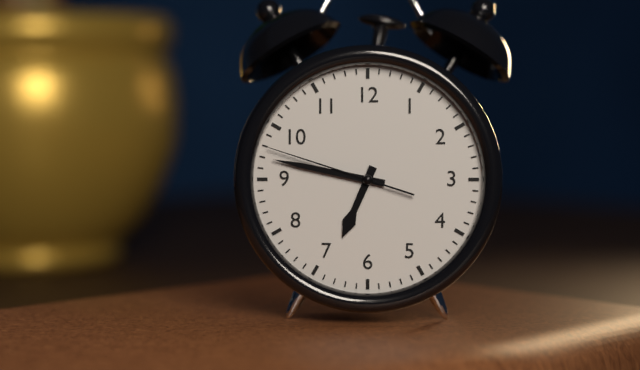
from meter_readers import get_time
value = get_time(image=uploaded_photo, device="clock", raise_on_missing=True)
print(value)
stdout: 6:47:48
